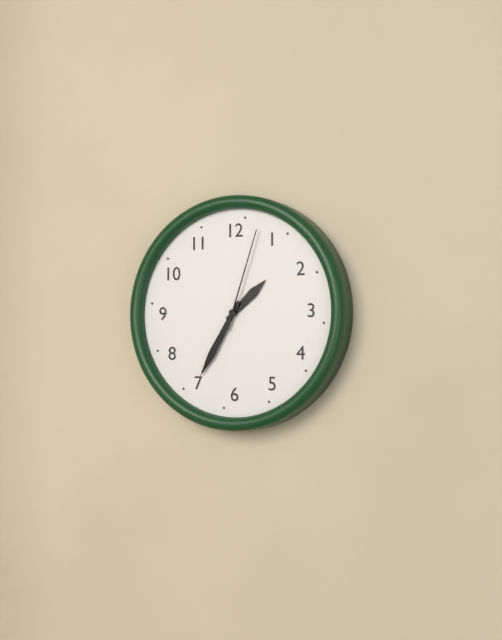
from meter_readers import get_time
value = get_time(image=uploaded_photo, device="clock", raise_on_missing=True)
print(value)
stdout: 1:35:03
